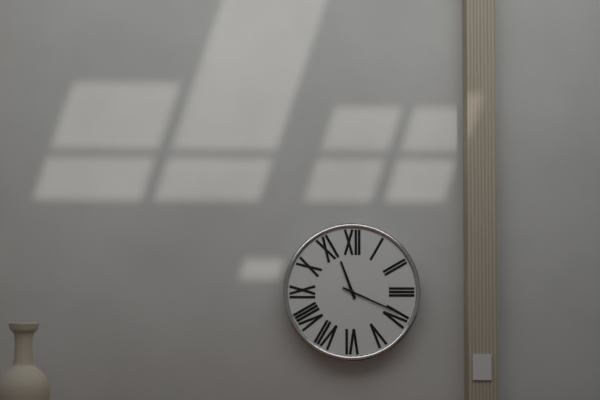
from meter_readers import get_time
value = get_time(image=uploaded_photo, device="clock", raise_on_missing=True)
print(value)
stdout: 11:19
